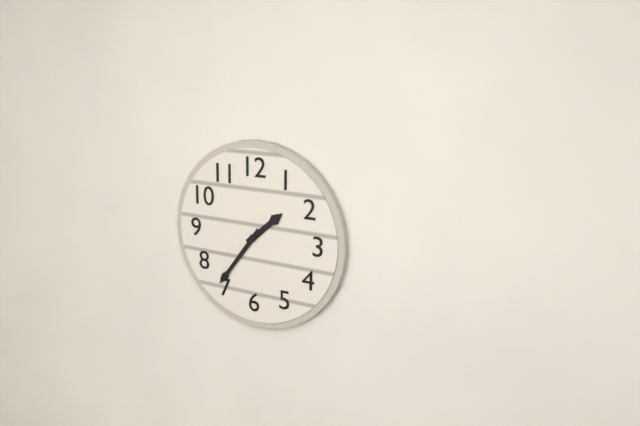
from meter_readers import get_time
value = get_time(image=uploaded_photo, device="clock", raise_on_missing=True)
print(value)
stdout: 1:36
